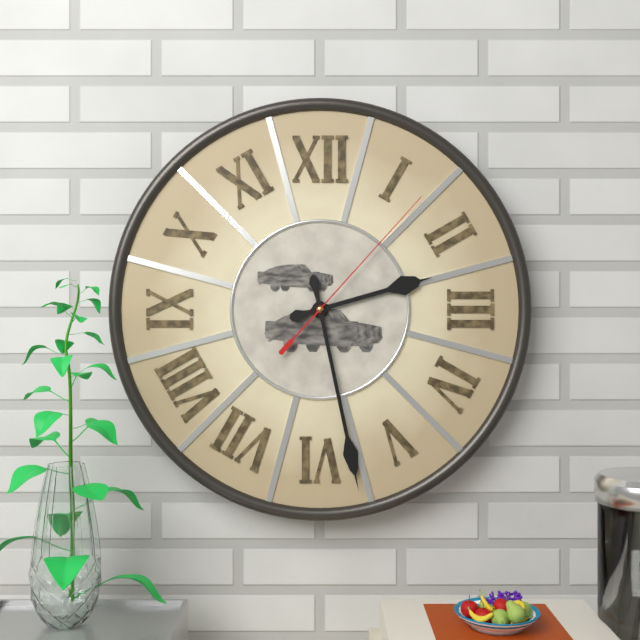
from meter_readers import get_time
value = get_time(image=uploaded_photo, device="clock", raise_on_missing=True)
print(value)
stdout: 2:28:07
